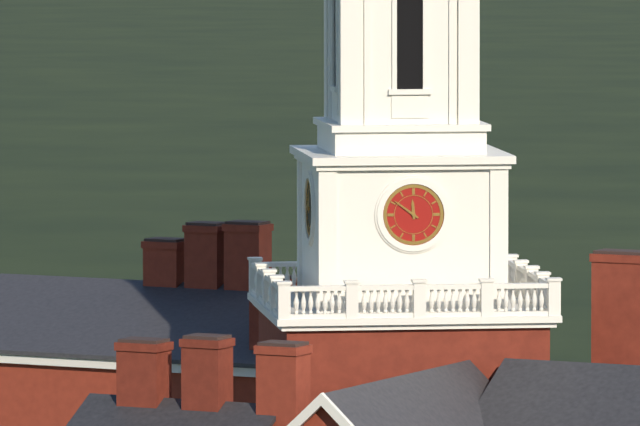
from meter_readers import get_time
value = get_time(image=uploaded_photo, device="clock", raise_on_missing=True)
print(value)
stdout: 11:51
